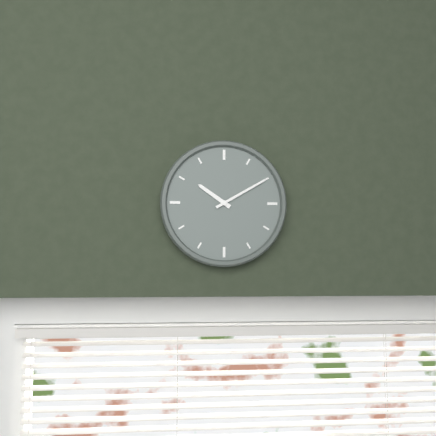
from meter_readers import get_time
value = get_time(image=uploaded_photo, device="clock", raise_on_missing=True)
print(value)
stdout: 10:10
